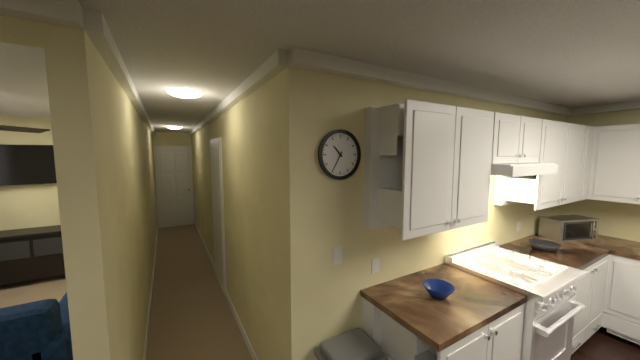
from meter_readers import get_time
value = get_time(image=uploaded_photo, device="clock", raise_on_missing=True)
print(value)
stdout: 10:35
